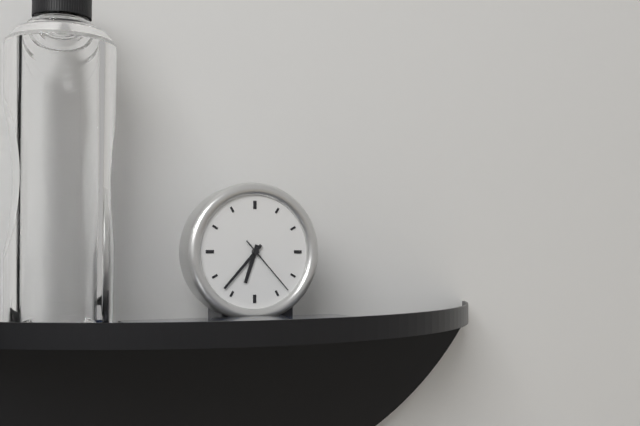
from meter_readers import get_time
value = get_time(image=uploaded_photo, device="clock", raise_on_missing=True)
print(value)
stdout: 6:37:23
